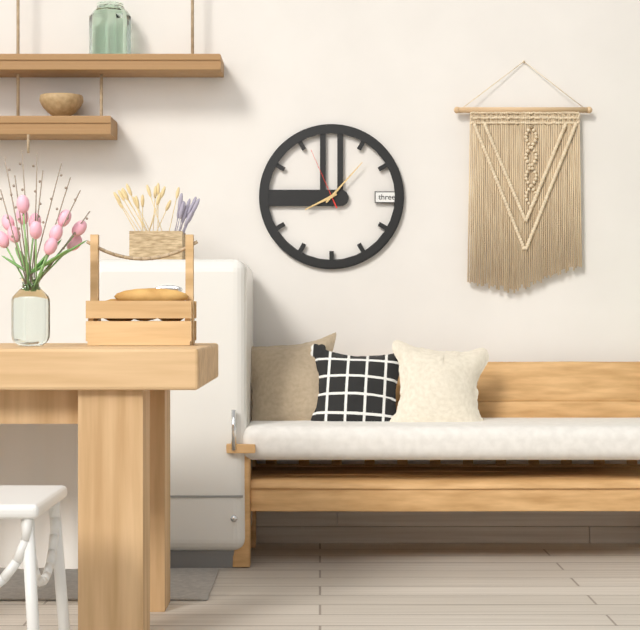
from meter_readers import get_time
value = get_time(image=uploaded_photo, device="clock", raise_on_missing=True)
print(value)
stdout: 8:07:56
